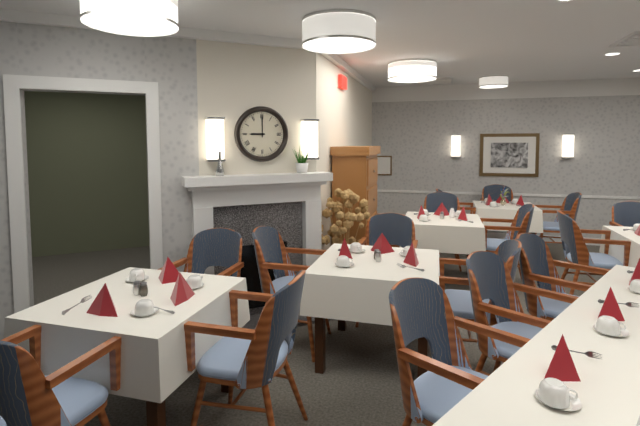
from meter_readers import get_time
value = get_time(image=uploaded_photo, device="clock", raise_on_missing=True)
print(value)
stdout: 9:00
